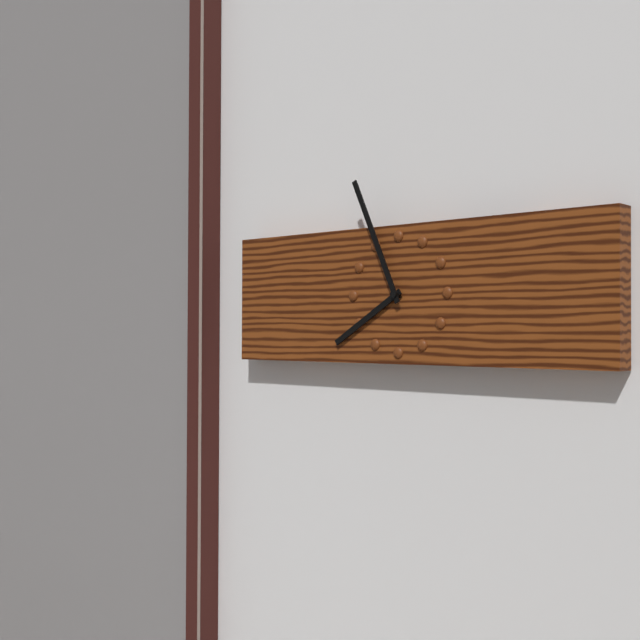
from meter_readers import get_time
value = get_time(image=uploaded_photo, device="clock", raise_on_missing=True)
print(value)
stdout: 7:56
